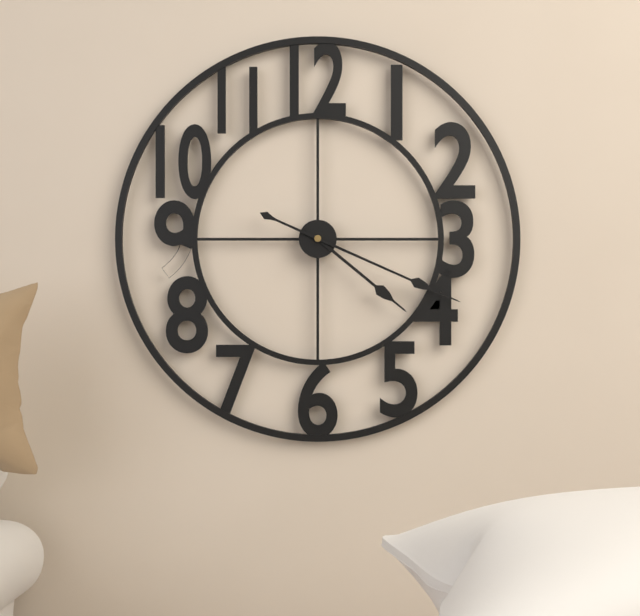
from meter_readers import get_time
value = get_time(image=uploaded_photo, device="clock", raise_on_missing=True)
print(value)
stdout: 4:19
